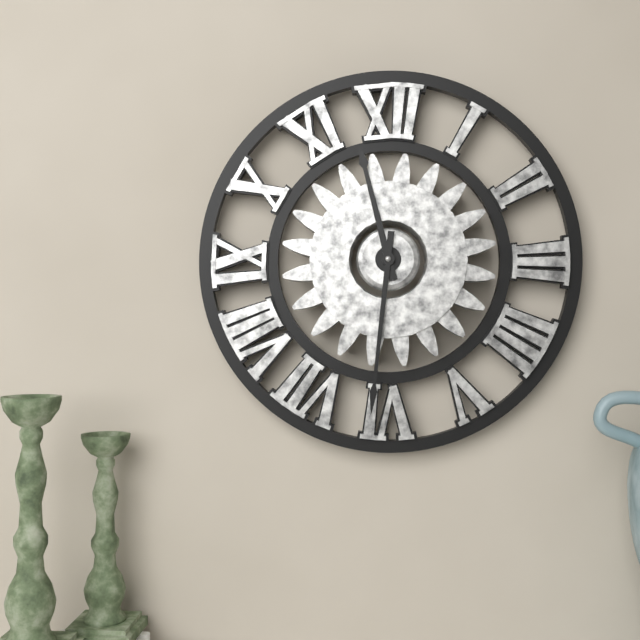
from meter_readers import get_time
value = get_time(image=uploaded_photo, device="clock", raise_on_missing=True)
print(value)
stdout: 11:31
